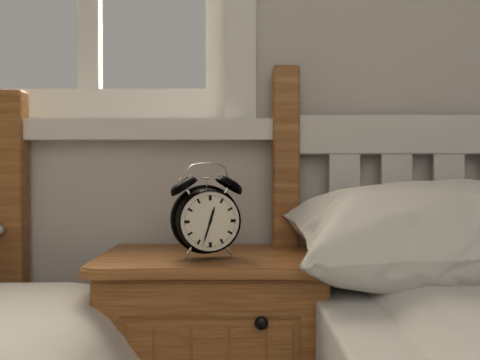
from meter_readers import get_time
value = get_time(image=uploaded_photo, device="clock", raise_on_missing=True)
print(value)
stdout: 12:33
